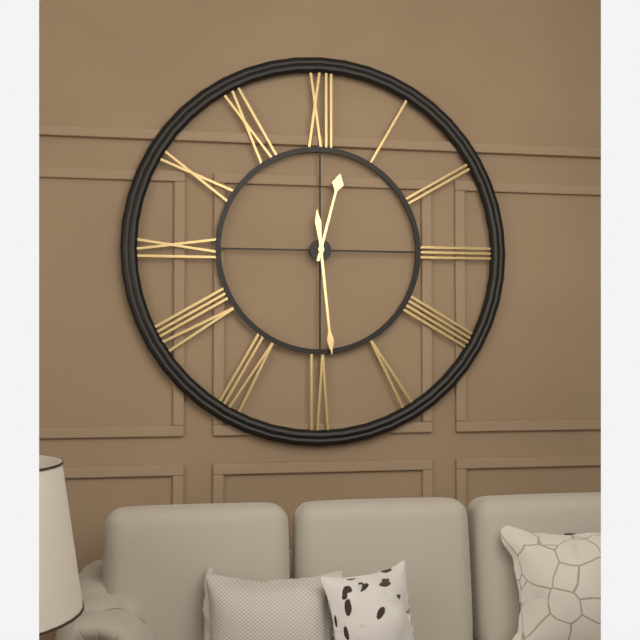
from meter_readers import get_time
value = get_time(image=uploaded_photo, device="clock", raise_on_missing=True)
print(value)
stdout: 12:29
